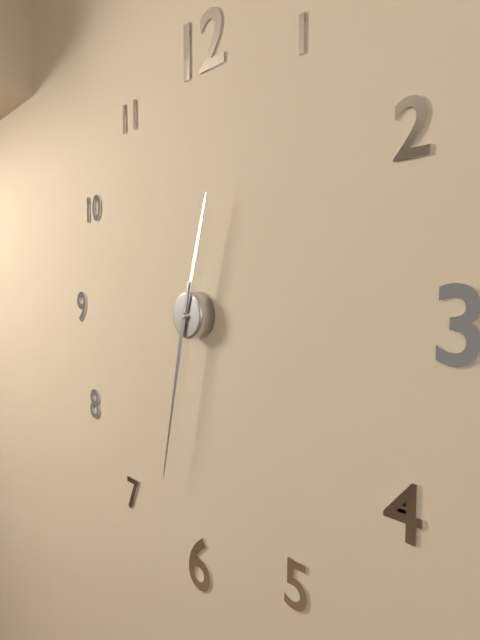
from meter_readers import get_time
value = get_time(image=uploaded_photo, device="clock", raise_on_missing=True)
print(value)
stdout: 12:32
